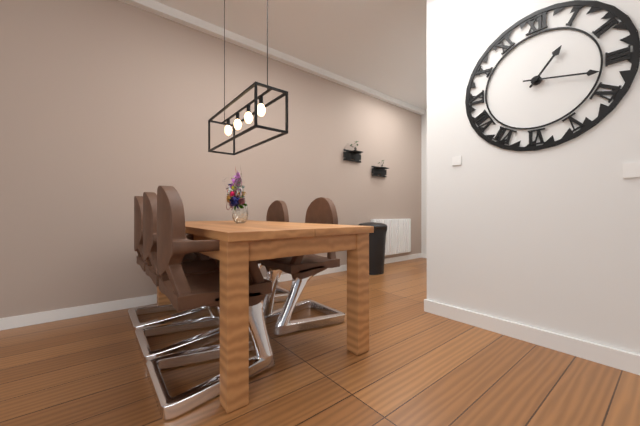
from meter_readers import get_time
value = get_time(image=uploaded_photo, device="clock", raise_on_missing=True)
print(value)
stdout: 1:17
